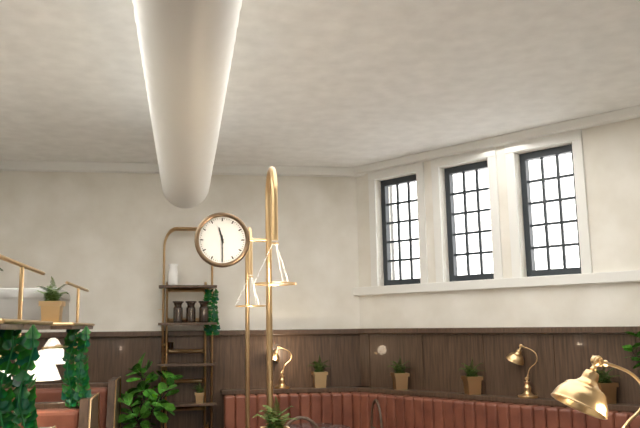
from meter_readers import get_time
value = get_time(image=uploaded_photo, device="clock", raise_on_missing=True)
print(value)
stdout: 11:30
